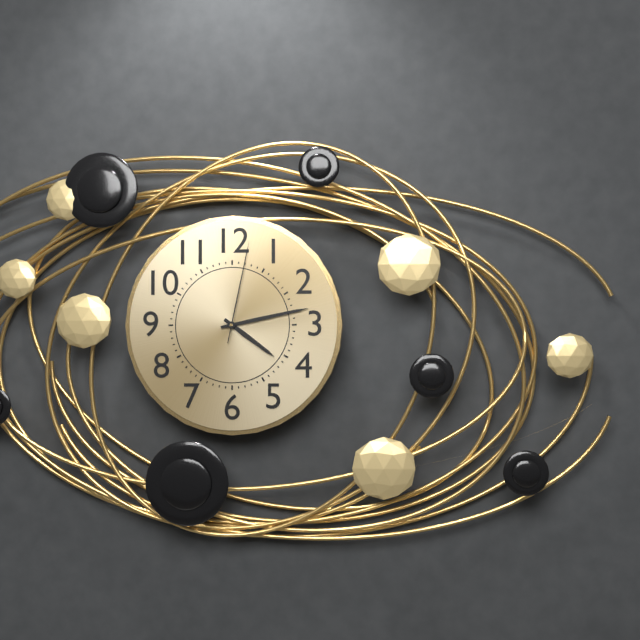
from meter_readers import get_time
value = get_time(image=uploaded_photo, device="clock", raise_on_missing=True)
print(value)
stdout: 4:13:02
